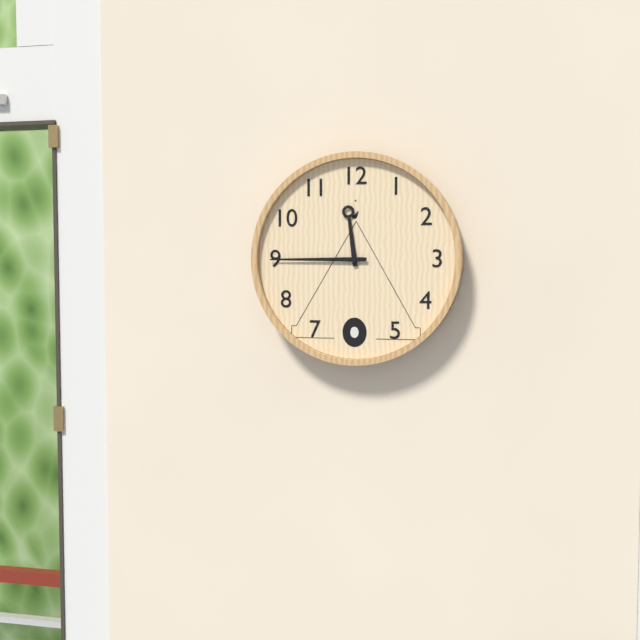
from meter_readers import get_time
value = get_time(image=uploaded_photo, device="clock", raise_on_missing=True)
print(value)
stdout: 11:45
